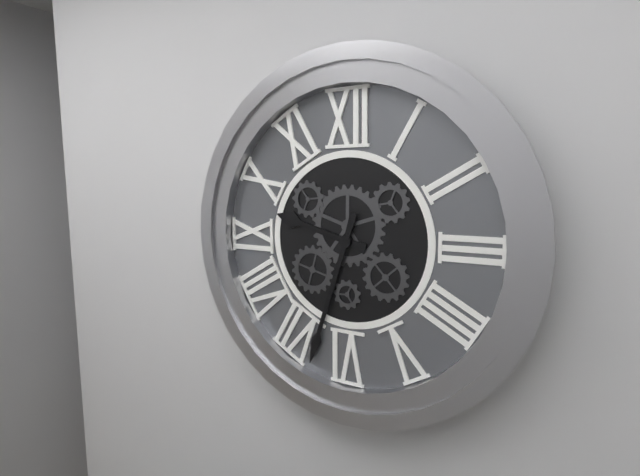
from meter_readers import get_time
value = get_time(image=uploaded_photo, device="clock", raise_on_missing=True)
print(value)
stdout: 9:33
